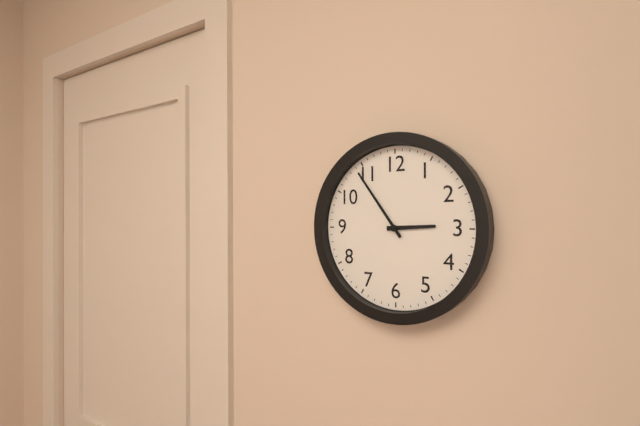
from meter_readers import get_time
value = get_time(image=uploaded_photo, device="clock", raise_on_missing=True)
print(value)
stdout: 2:54
